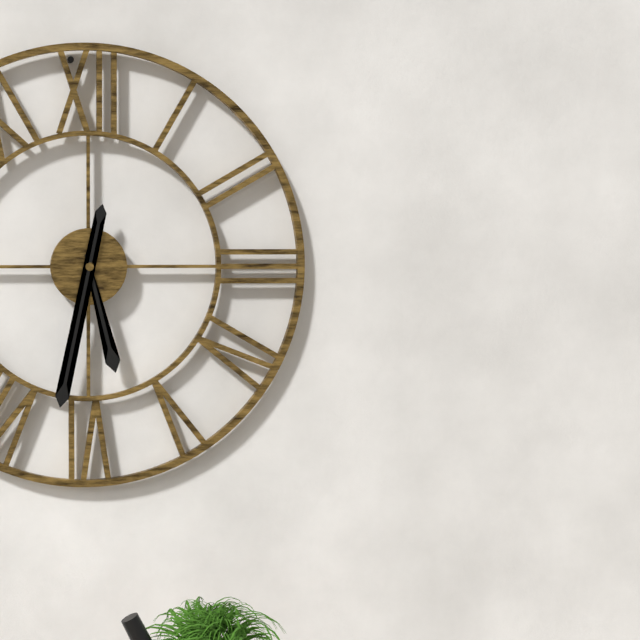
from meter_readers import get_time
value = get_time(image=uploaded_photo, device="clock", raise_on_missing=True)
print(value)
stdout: 5:32
